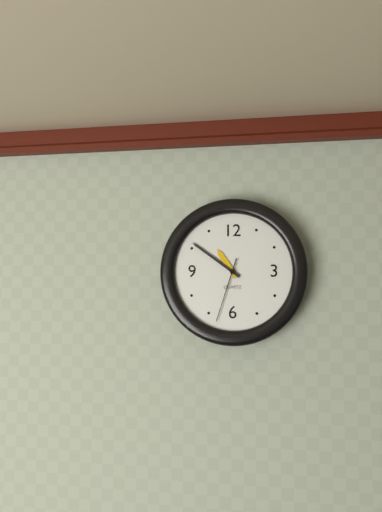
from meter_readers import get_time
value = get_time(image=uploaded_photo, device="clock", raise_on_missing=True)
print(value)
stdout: 10:51:33
